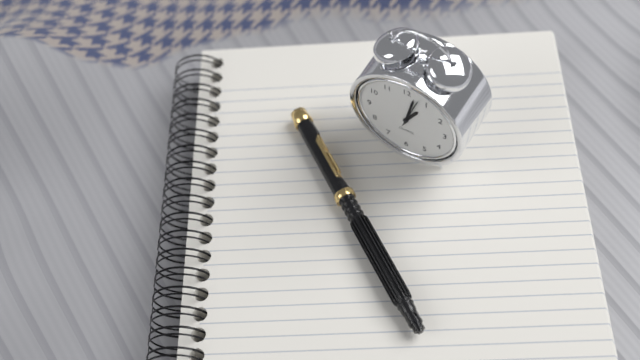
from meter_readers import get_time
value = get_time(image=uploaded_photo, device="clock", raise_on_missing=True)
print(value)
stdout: 1:02
